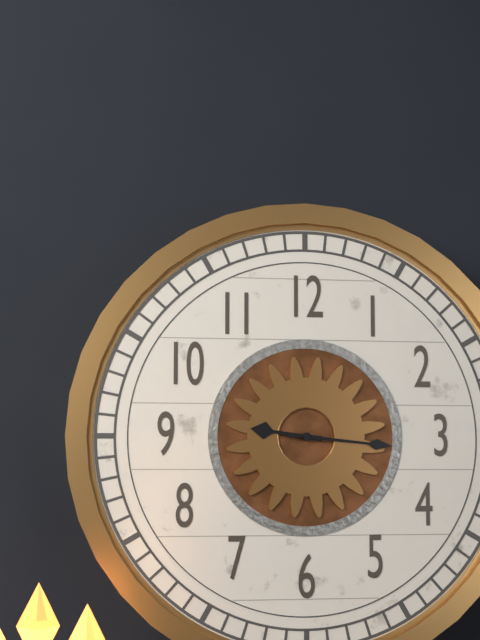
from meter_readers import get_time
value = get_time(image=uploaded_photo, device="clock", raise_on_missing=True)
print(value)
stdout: 9:16
